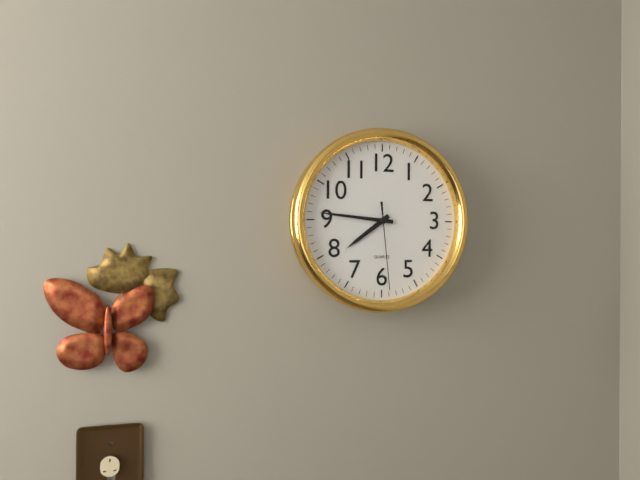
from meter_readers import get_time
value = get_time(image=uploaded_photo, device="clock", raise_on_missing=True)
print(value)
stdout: 7:46:29
